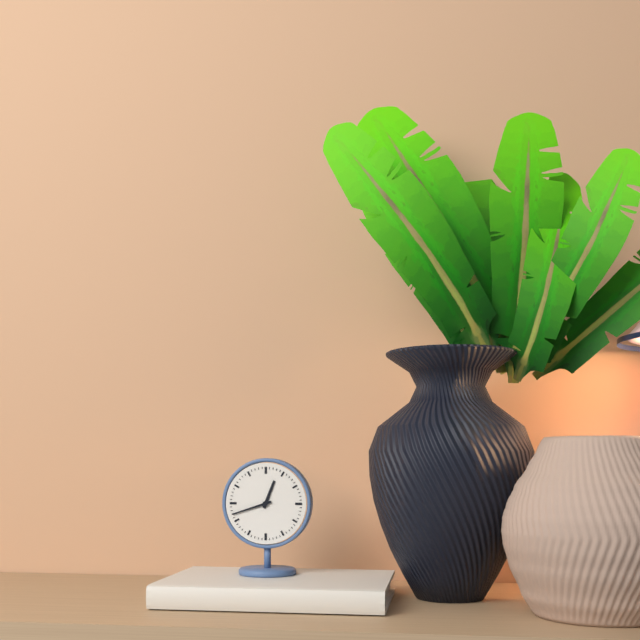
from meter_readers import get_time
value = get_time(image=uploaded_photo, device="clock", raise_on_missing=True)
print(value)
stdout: 12:42
